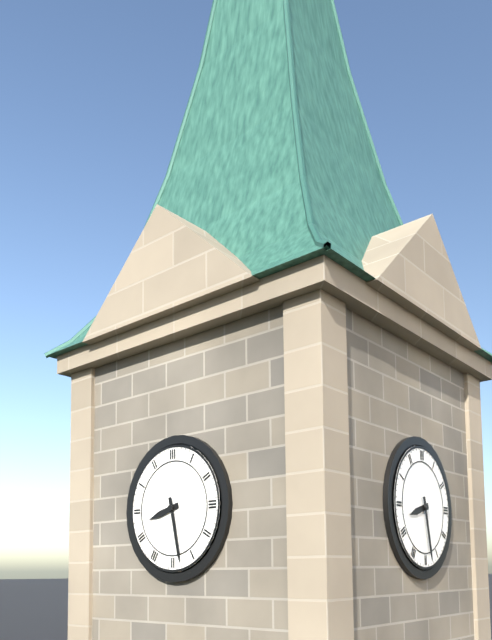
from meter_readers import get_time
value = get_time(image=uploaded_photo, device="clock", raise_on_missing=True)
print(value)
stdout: 8:28
